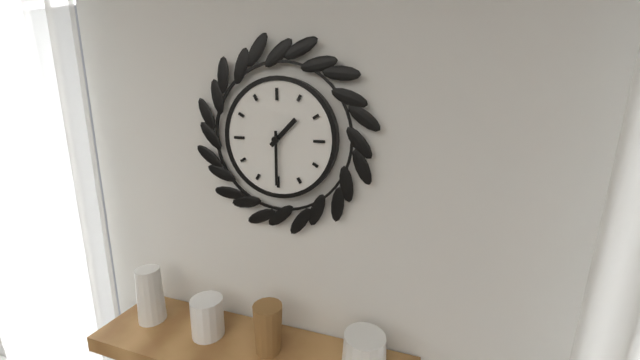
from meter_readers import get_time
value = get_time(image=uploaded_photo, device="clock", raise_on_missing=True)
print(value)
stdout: 1:30
